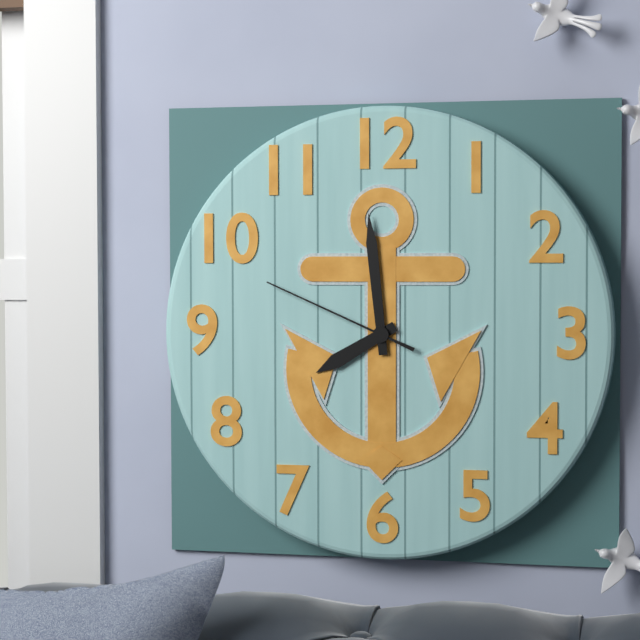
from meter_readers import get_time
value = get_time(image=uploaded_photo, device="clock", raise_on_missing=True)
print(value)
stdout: 7:59:49
